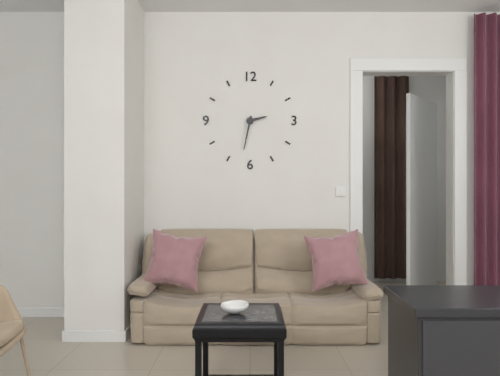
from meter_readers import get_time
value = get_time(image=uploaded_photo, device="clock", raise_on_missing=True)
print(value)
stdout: 2:32
